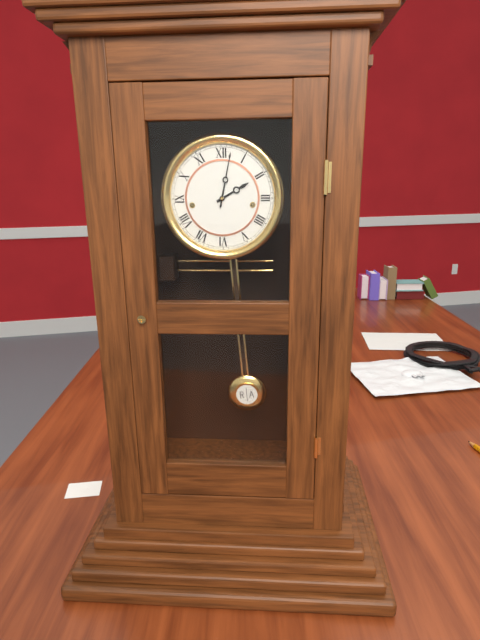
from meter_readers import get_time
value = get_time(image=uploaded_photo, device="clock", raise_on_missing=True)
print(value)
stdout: 2:02
